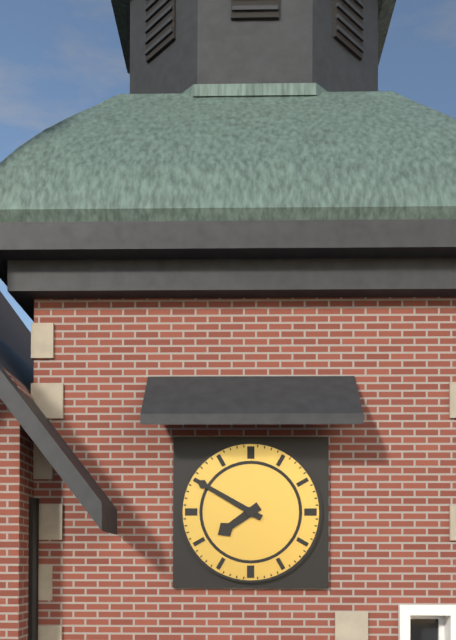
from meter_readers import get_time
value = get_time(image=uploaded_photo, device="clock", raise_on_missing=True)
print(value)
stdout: 7:50
